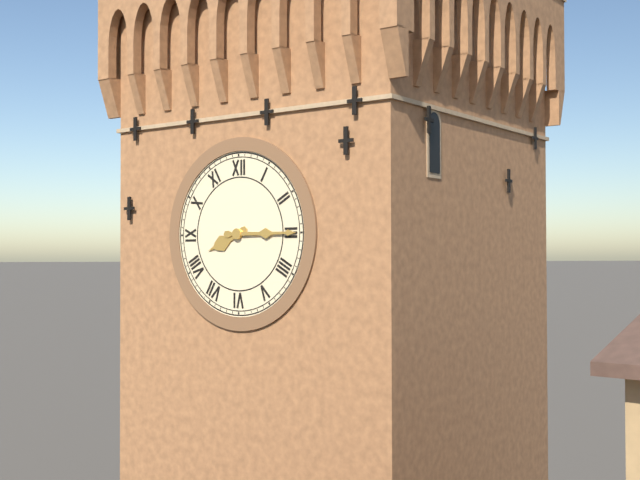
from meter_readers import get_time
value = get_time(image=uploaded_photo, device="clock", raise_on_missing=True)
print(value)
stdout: 8:15
